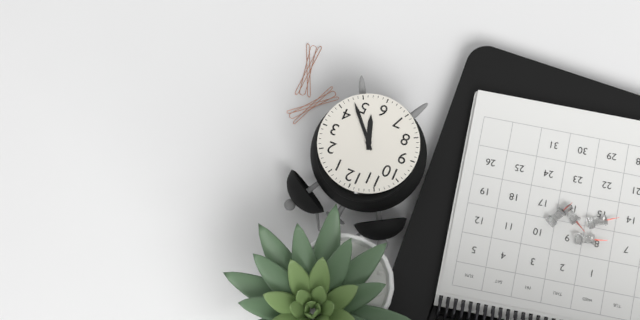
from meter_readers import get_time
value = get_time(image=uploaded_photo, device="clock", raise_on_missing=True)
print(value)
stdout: 5:23
